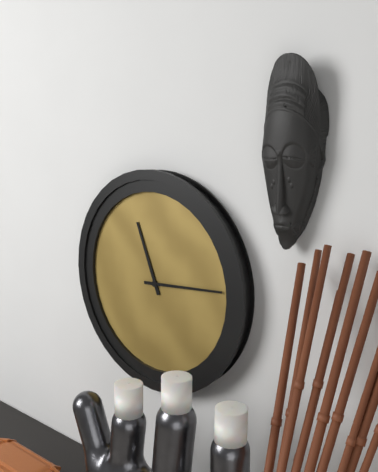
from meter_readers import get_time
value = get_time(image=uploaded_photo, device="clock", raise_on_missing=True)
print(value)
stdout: 11:14
